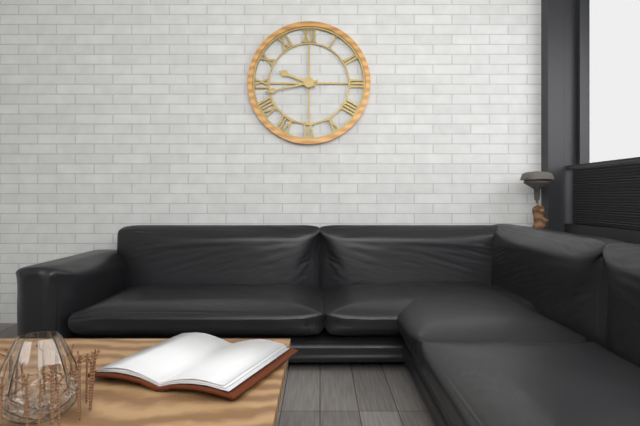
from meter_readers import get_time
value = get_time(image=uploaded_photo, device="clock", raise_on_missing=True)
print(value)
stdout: 9:43
